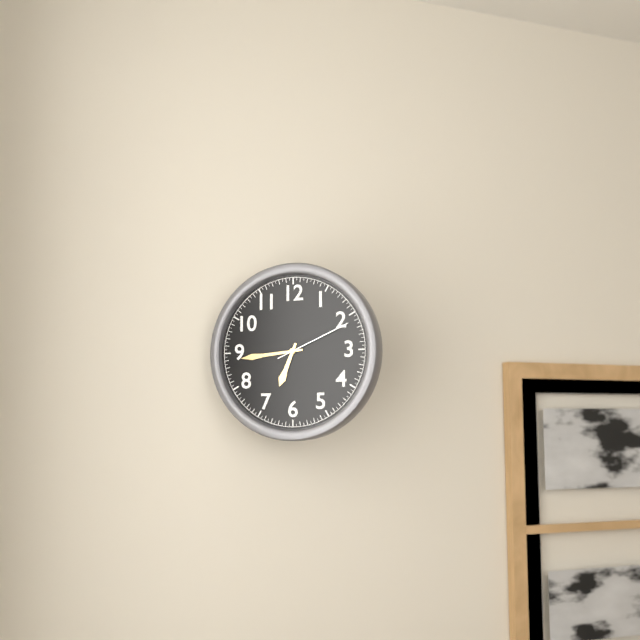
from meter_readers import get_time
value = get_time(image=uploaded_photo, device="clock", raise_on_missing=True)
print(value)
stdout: 6:44:11
